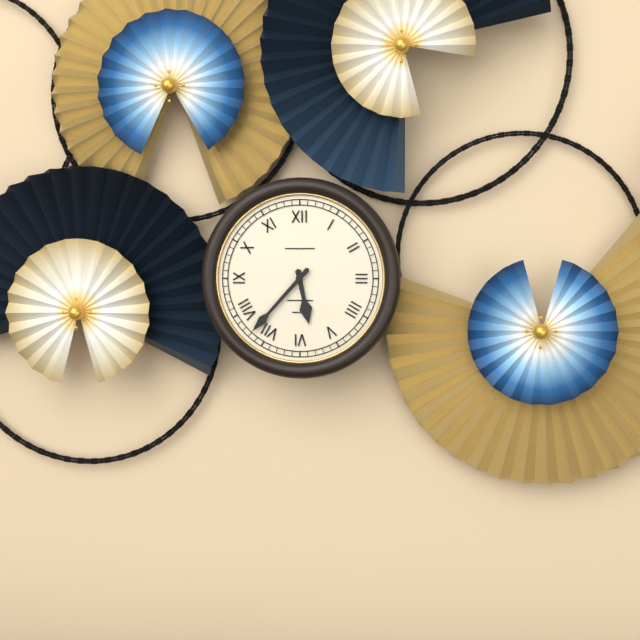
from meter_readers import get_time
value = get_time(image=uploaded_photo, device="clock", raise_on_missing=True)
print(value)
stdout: 5:37
